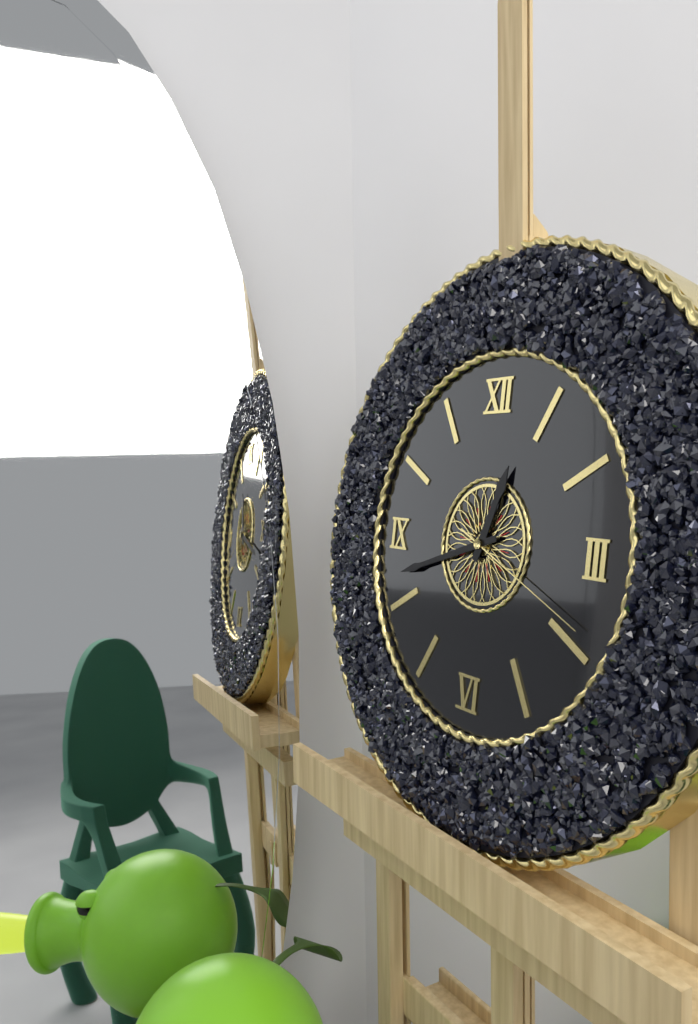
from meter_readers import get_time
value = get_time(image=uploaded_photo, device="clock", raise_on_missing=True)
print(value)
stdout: 12:42:19
